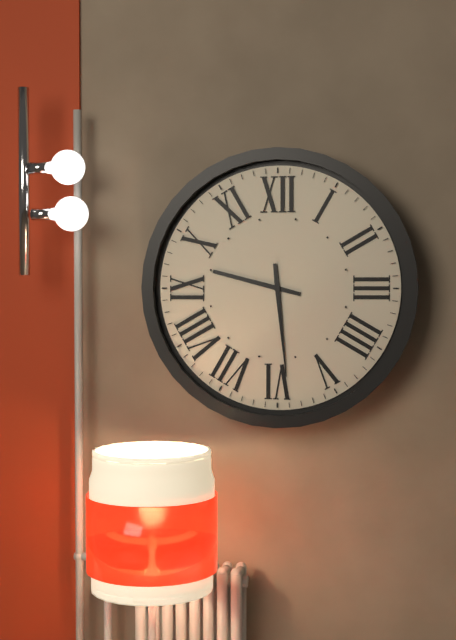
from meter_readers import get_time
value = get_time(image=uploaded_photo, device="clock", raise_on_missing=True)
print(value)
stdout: 9:29
